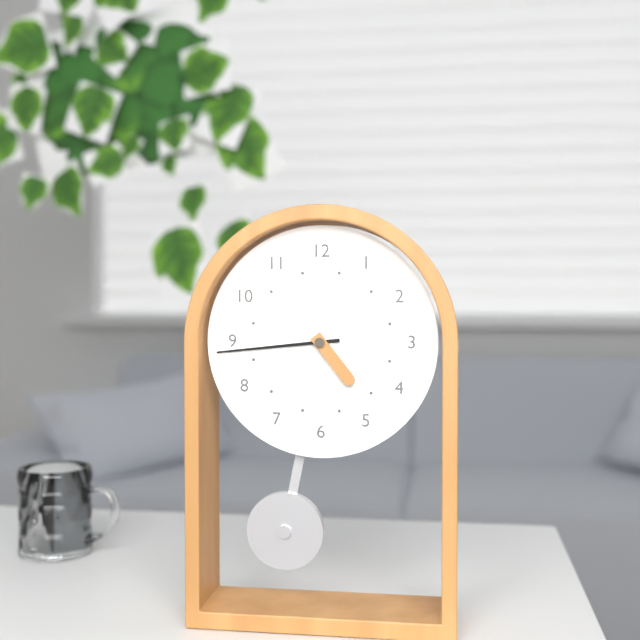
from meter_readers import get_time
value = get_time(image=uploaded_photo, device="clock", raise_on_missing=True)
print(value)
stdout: 4:44
